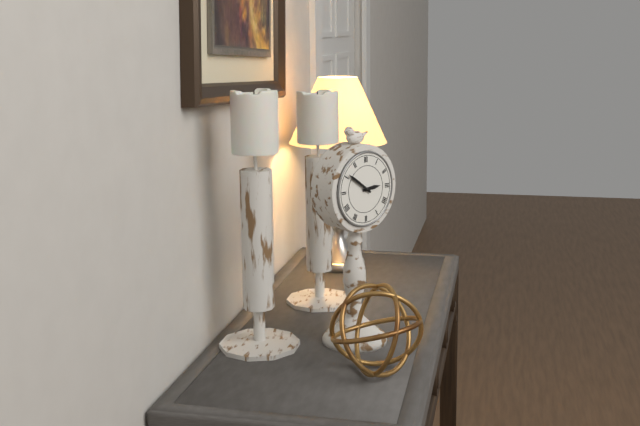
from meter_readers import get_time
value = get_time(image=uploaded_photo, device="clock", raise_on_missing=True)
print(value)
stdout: 2:51
